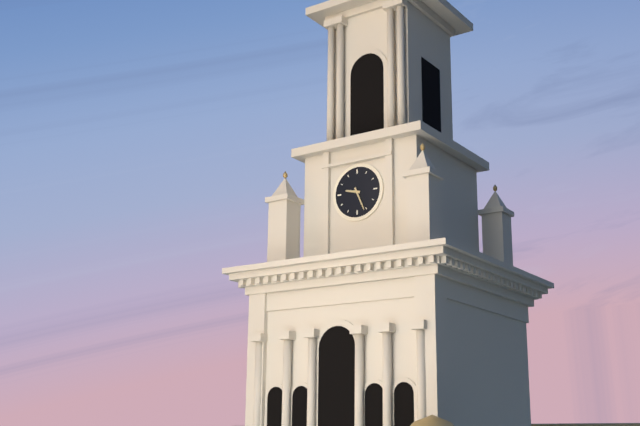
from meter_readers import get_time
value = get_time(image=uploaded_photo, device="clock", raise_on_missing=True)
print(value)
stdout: 9:26
